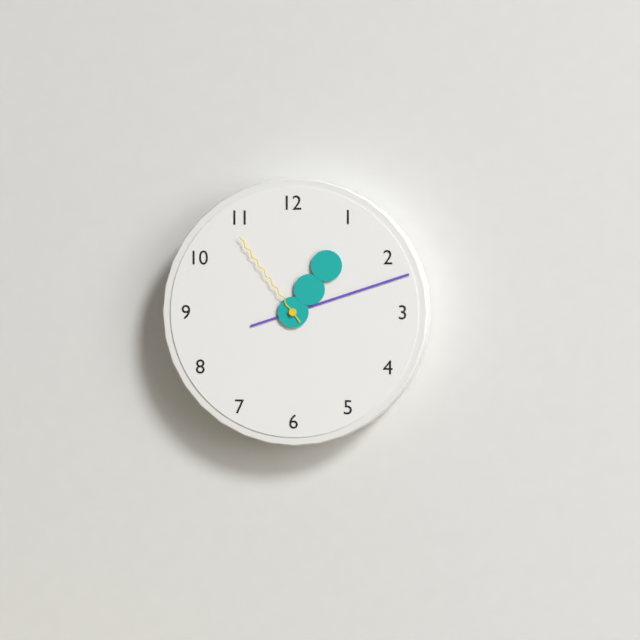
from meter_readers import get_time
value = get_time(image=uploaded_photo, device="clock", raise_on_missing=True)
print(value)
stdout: 1:12:54
